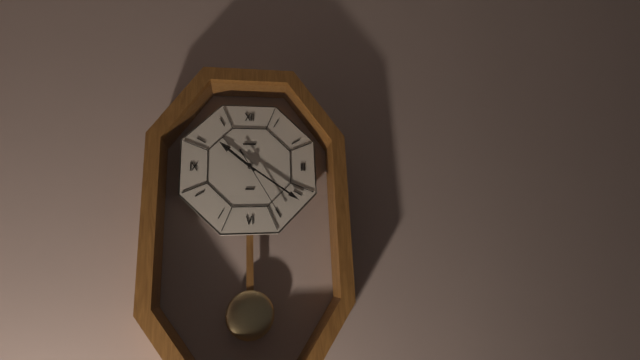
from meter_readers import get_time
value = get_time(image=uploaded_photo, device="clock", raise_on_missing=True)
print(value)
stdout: 10:21:25
